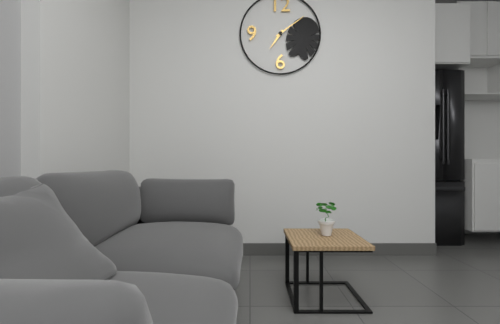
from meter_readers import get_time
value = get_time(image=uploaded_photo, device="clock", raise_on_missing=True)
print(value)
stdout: 7:09
